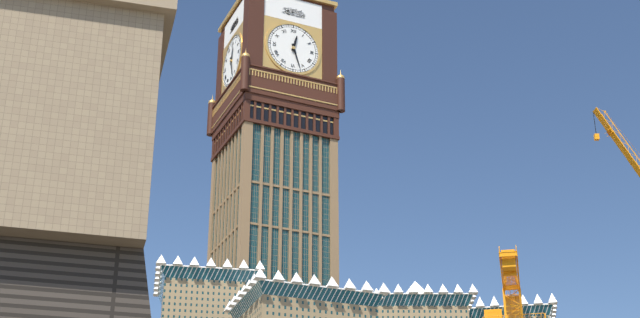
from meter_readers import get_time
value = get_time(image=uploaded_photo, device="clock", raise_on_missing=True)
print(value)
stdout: 12:27
